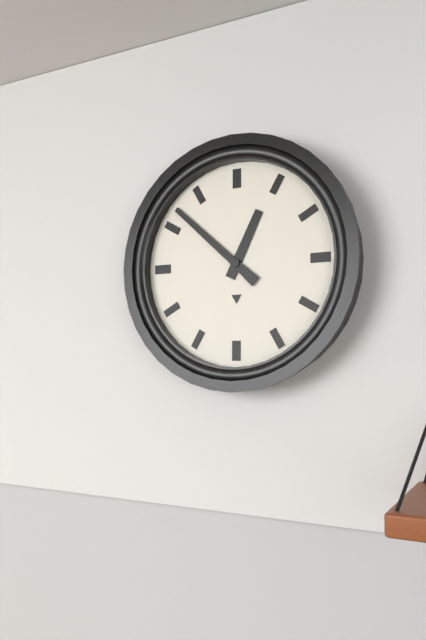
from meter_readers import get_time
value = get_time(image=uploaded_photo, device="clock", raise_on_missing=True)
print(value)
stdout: 12:52
